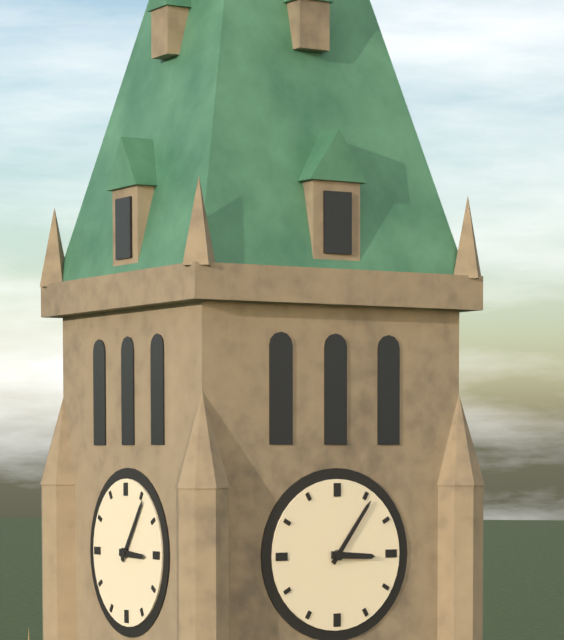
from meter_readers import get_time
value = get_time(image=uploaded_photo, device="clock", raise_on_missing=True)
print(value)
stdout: 3:06
